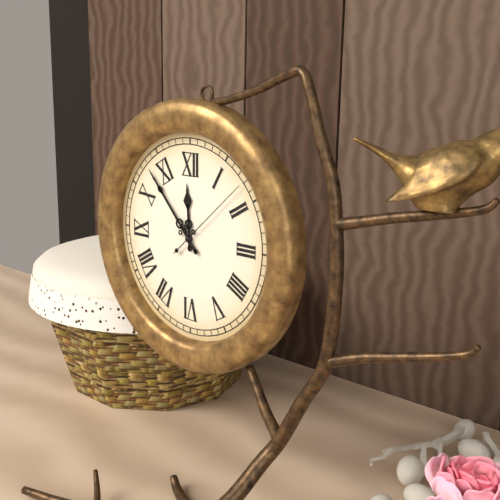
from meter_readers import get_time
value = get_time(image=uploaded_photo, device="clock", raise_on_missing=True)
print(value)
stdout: 11:53:08
